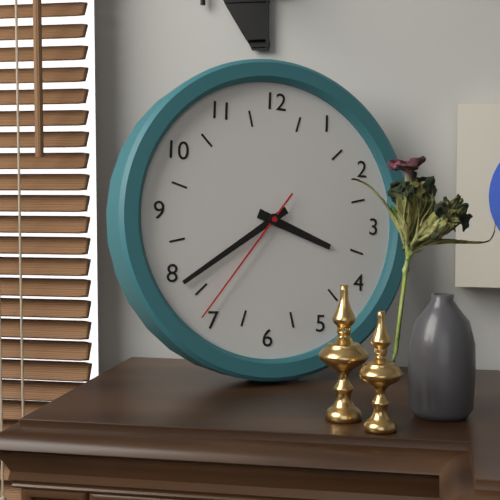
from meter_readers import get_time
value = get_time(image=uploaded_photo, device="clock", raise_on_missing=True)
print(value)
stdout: 3:39:36
